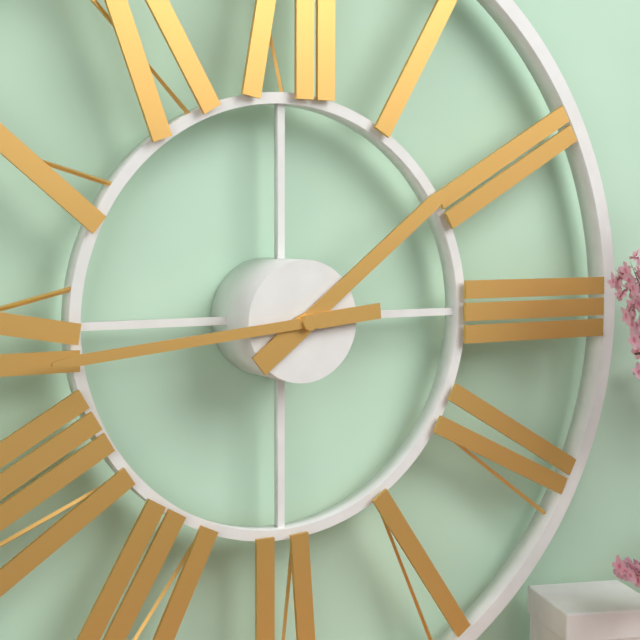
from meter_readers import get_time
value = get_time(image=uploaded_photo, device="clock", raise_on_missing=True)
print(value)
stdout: 1:44
